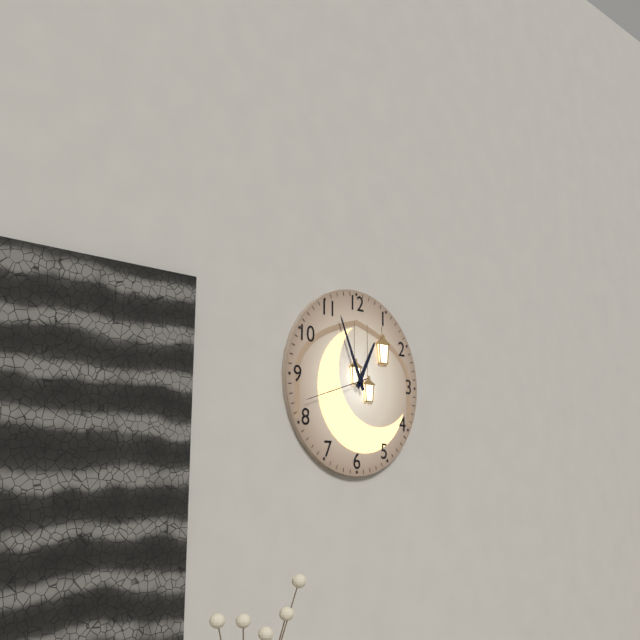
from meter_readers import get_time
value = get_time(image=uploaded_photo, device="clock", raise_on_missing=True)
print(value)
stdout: 12:56:42
